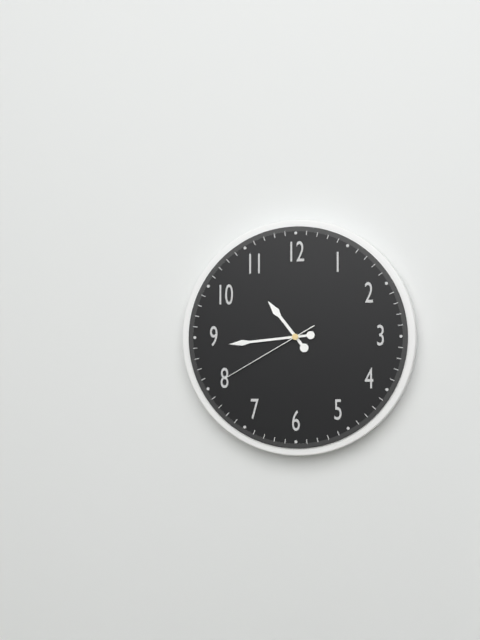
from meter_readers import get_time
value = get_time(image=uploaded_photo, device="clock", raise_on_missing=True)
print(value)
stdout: 10:44:40
